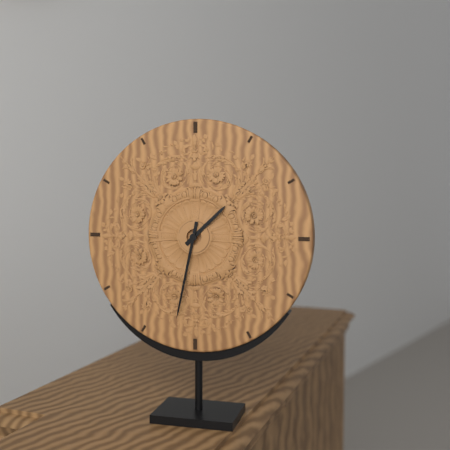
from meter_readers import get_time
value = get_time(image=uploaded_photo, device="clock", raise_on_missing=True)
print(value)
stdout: 1:32
